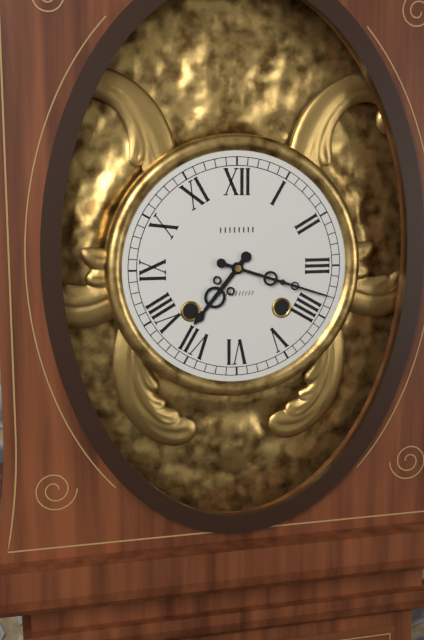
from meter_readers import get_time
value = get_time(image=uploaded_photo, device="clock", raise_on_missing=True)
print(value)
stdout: 7:18
